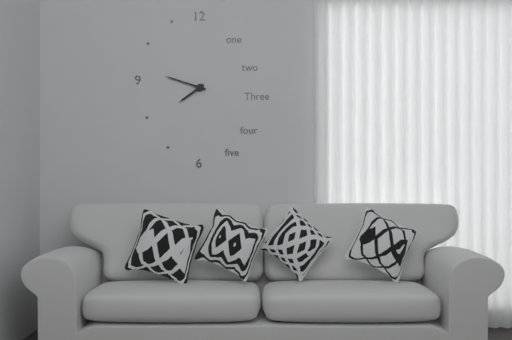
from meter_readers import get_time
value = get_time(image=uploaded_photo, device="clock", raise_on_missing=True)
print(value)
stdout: 7:48
